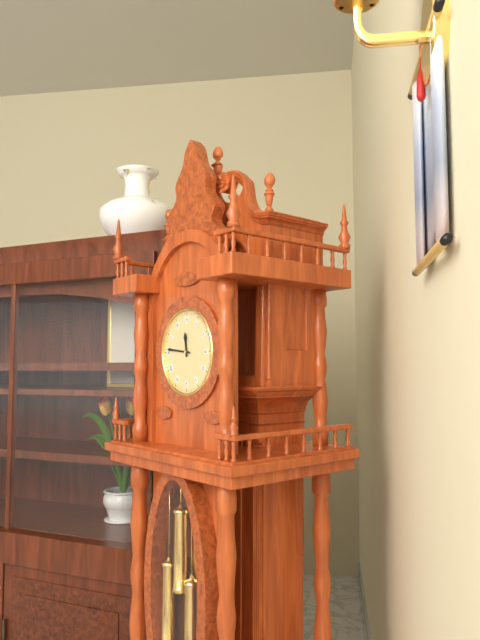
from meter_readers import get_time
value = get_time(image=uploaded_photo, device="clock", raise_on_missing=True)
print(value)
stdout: 11:46
